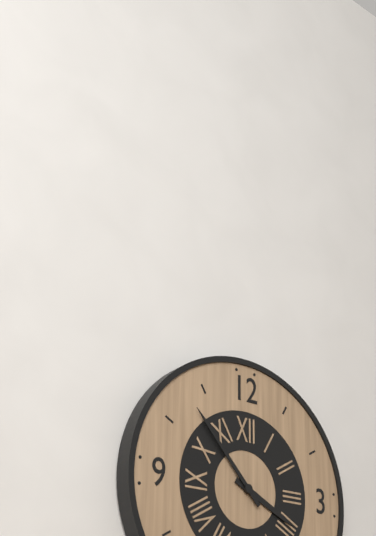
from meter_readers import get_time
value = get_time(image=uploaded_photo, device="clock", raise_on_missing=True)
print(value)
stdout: 3:53
